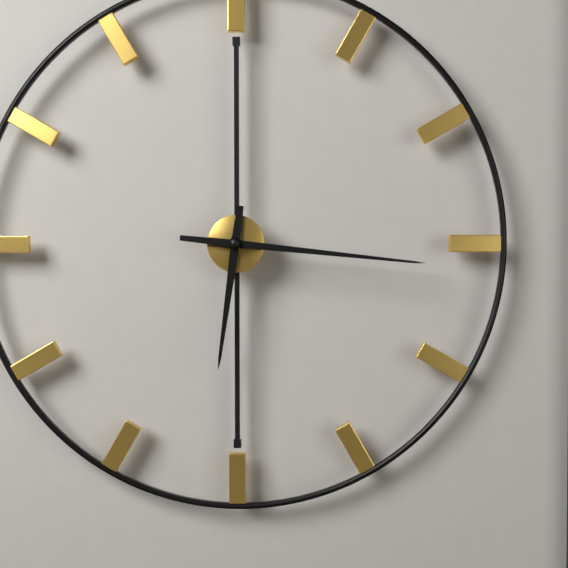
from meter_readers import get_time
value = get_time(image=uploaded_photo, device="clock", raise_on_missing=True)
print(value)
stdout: 6:16
